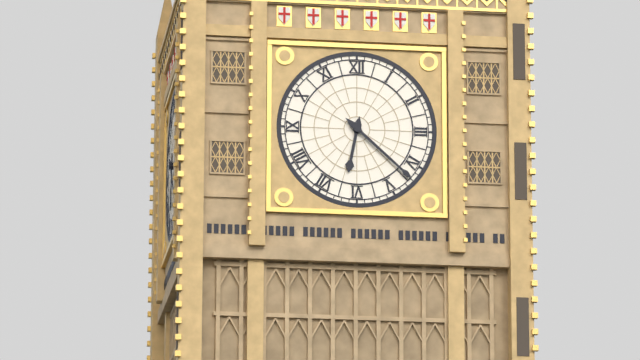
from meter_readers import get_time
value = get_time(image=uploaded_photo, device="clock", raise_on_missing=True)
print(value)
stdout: 6:22
